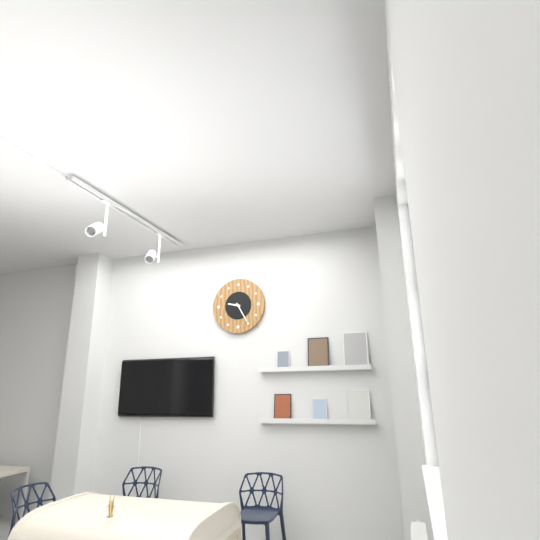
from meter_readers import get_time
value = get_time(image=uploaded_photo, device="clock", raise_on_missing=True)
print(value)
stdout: 9:25
